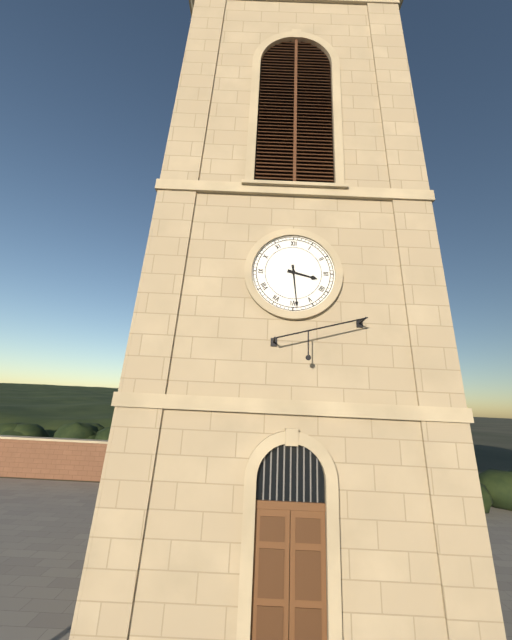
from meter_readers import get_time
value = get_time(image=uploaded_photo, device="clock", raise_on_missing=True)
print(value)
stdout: 3:29
